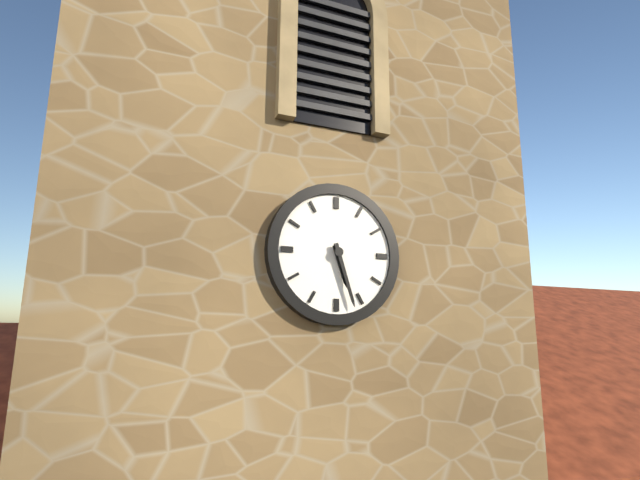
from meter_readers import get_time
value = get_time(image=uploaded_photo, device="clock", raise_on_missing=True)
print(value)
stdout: 5:27
